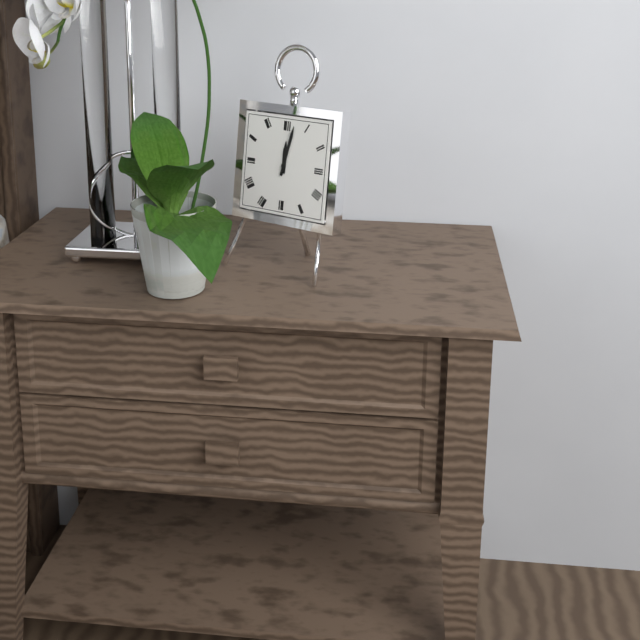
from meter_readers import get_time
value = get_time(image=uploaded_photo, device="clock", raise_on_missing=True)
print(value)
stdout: 12:02
